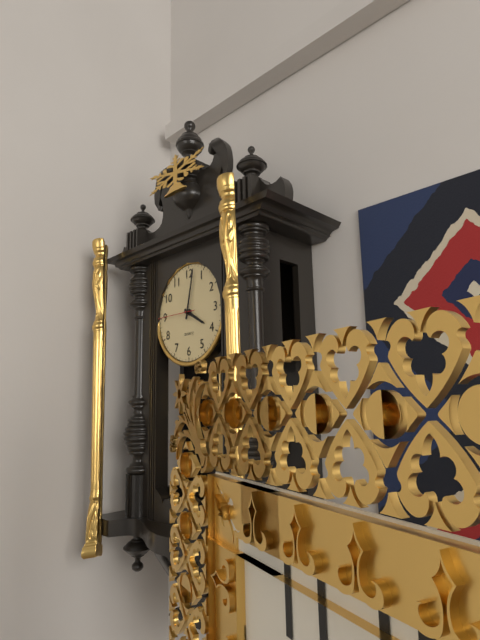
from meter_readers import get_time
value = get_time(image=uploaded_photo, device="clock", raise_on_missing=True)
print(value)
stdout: 4:02
